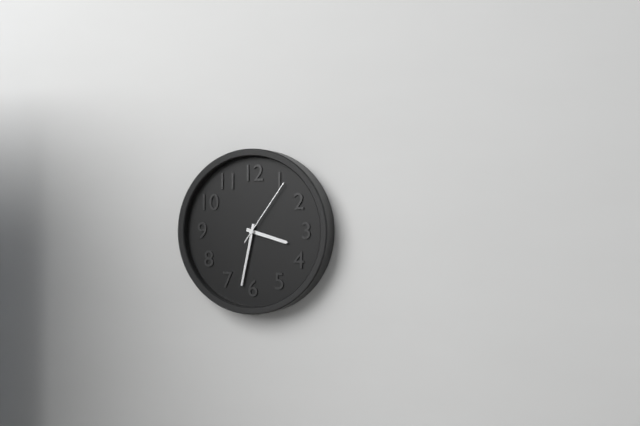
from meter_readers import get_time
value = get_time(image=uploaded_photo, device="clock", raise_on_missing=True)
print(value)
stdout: 3:32:06
